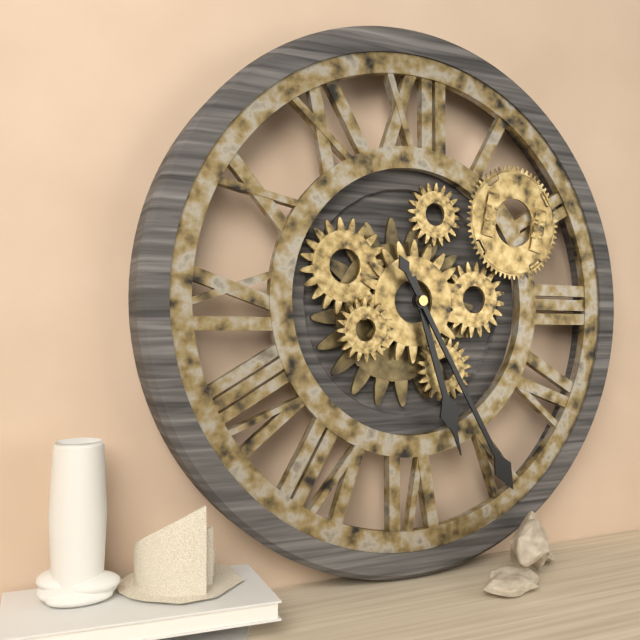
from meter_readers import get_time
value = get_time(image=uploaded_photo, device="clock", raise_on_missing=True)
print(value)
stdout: 5:25
